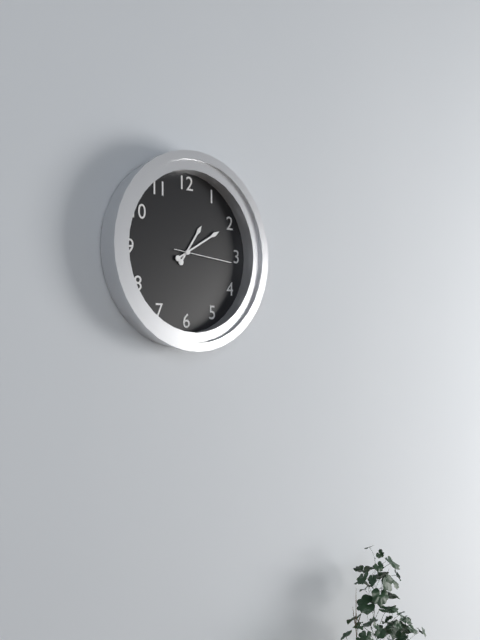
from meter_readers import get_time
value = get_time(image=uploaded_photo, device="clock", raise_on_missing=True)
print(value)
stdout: 1:10:16
